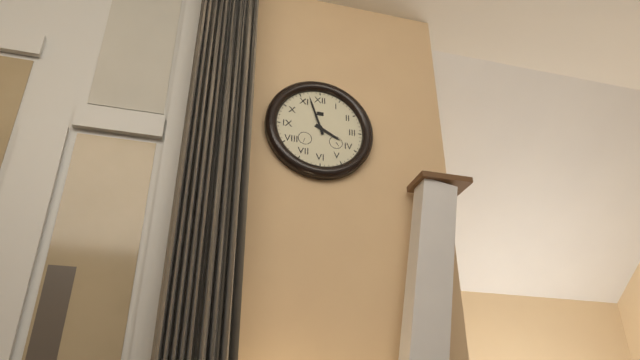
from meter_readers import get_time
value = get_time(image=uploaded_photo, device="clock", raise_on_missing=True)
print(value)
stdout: 3:57
